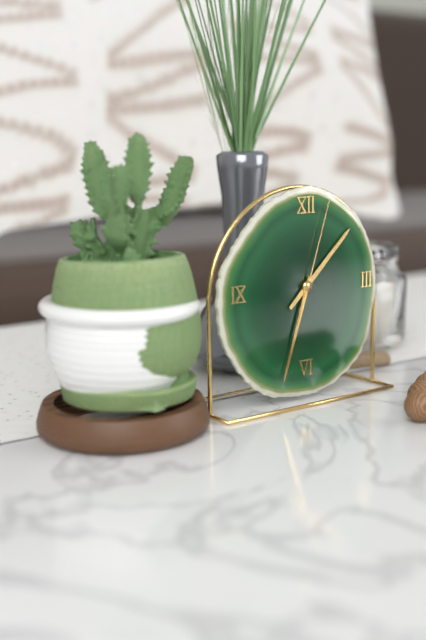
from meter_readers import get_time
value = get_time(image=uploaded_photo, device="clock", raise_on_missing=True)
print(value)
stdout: 1:33:03
